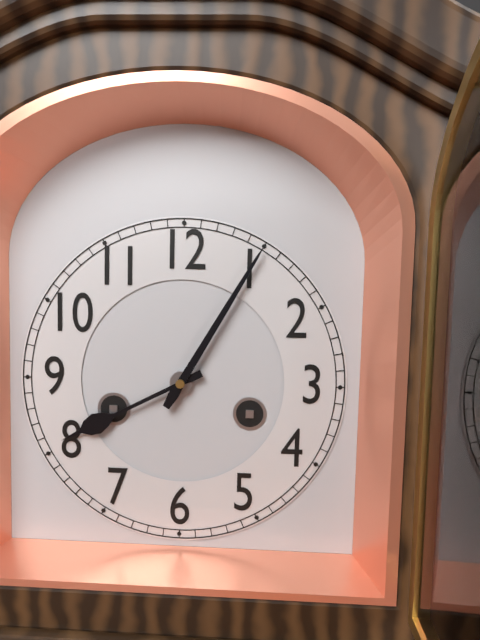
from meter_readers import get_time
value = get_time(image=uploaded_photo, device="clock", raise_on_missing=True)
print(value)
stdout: 8:05
